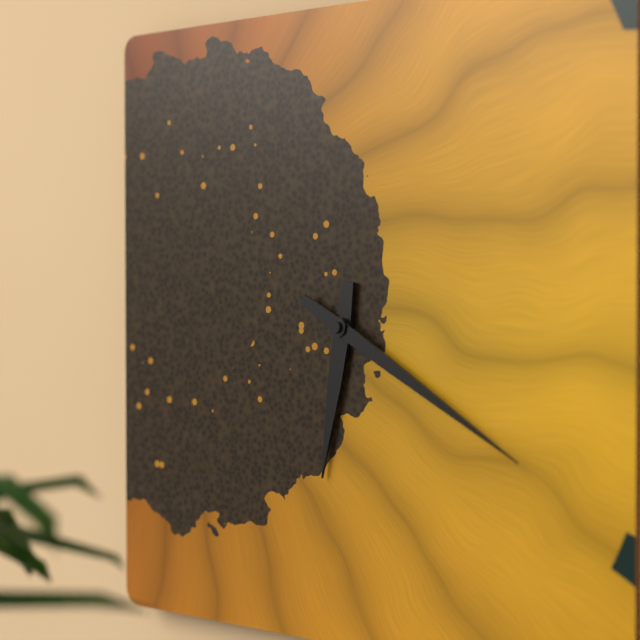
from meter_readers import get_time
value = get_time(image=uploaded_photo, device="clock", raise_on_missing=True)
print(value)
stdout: 6:20
